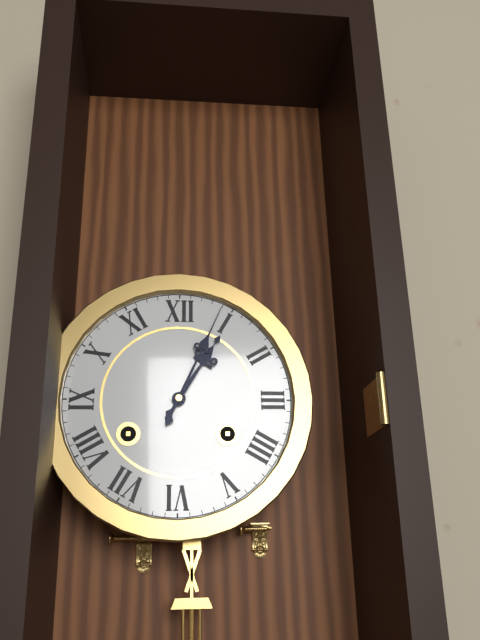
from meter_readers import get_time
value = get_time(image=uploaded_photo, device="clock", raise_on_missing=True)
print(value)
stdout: 1:04
